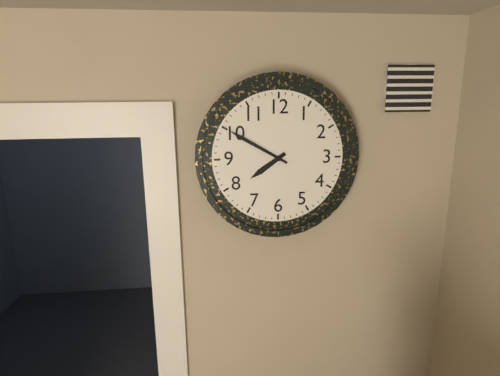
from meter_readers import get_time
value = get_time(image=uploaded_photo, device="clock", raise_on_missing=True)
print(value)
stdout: 7:50
